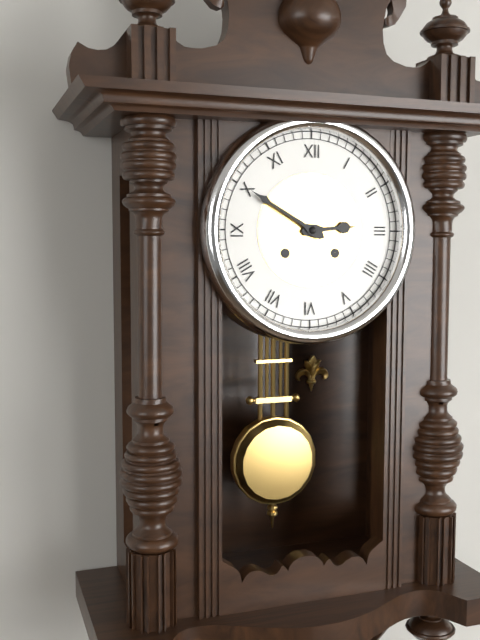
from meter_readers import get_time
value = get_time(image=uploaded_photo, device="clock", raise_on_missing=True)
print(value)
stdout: 2:50
